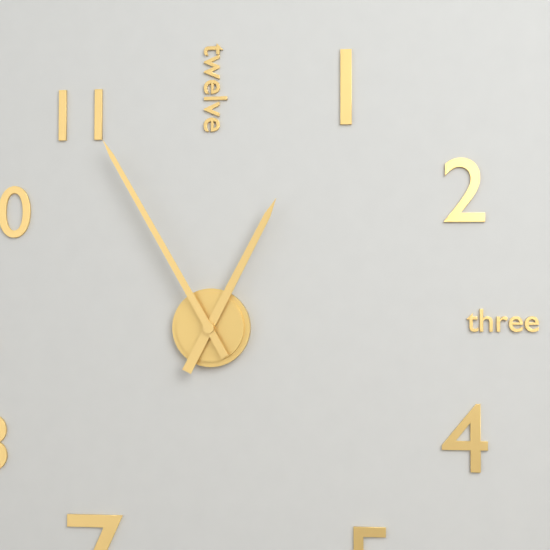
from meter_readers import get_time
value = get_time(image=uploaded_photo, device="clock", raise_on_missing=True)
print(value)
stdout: 12:55
